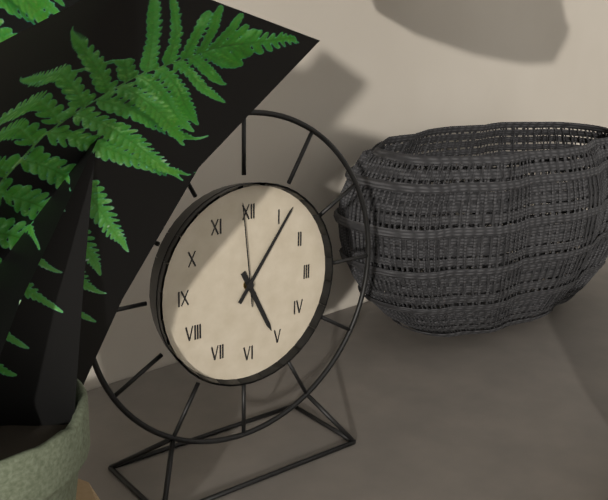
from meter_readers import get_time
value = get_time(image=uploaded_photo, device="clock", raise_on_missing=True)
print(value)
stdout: 5:06:59
